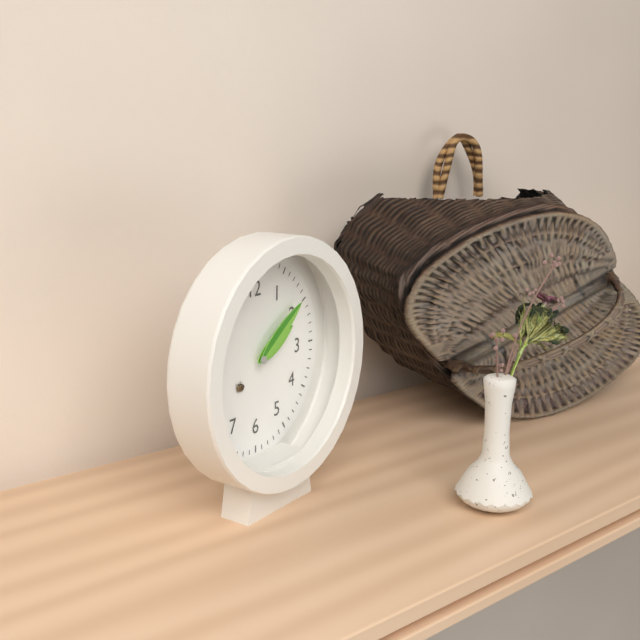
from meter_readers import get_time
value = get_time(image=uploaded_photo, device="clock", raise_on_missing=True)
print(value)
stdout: 2:09
